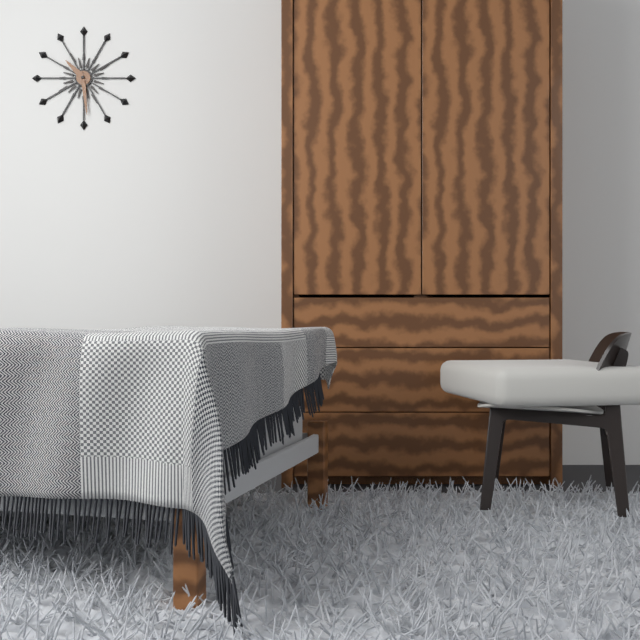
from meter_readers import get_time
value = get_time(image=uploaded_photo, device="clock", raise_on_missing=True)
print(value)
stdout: 10:29
